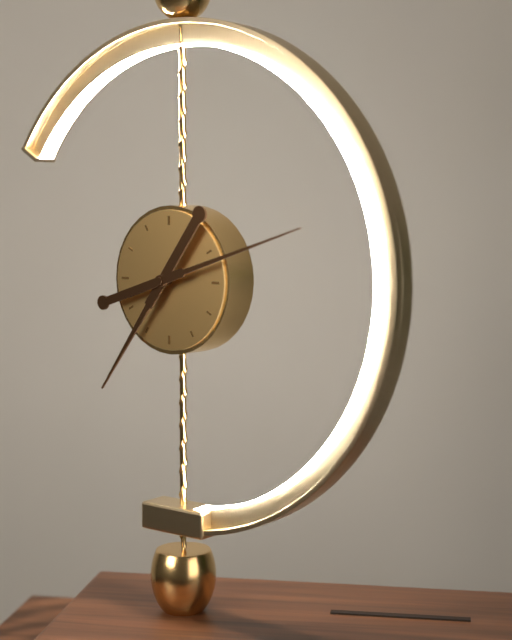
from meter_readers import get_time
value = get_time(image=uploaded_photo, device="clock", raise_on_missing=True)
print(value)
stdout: 7:12
